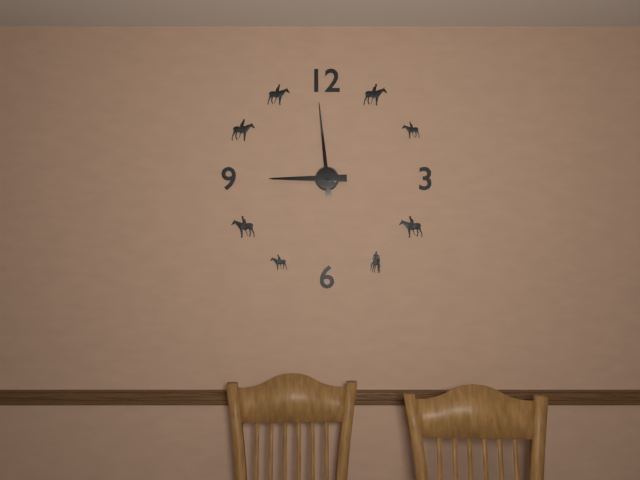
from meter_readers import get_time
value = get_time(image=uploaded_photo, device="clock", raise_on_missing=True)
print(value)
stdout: 8:59
